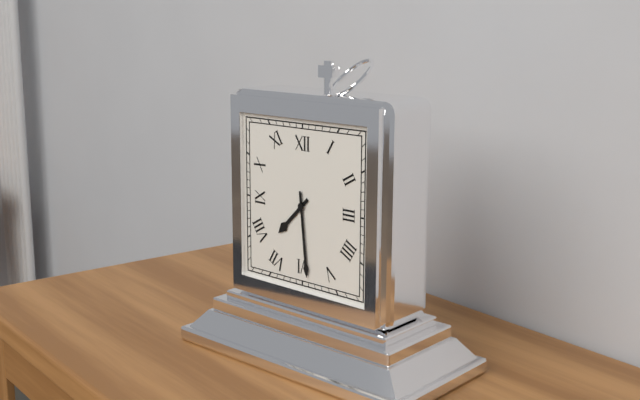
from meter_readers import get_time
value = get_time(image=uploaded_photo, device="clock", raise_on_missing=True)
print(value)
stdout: 7:29
